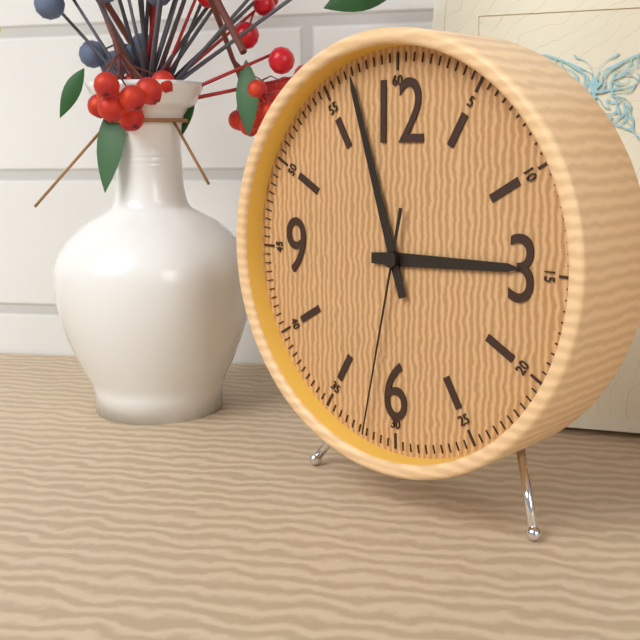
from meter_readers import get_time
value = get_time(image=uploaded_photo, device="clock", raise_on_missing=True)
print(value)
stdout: 2:57:32
